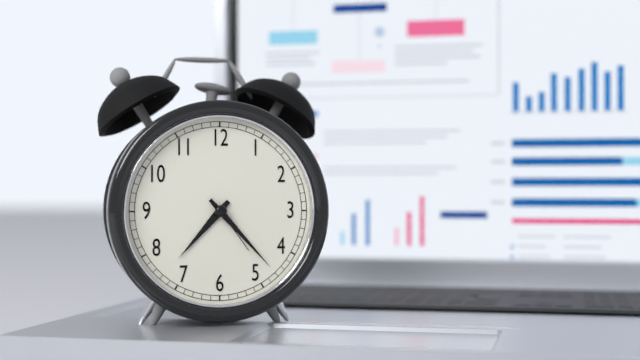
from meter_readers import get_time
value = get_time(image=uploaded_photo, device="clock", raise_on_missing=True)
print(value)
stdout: 7:23:24
